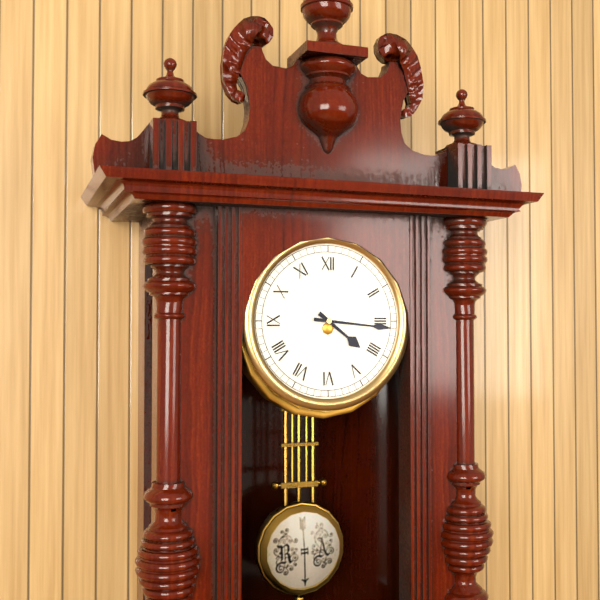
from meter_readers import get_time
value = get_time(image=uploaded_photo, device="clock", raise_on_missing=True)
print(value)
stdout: 4:16
